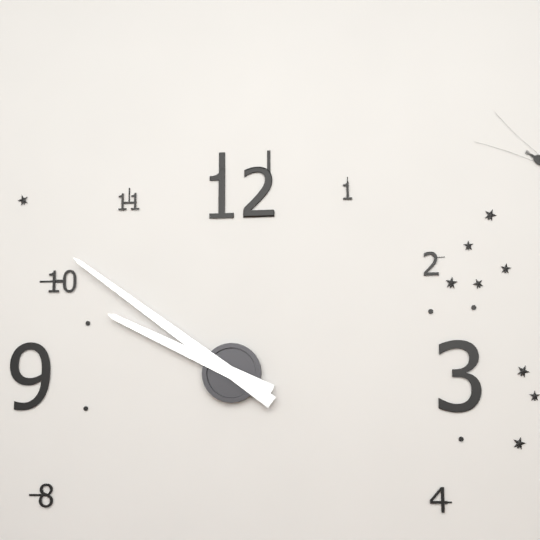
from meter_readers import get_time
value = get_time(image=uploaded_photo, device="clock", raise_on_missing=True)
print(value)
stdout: 9:51
